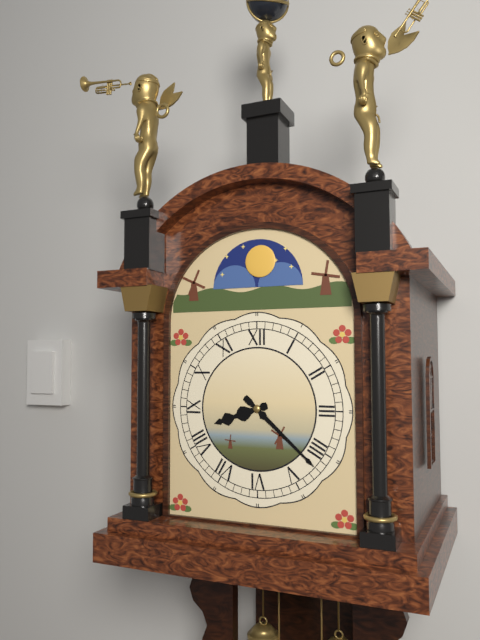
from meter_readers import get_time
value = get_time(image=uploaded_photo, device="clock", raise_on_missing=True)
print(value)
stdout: 8:22
